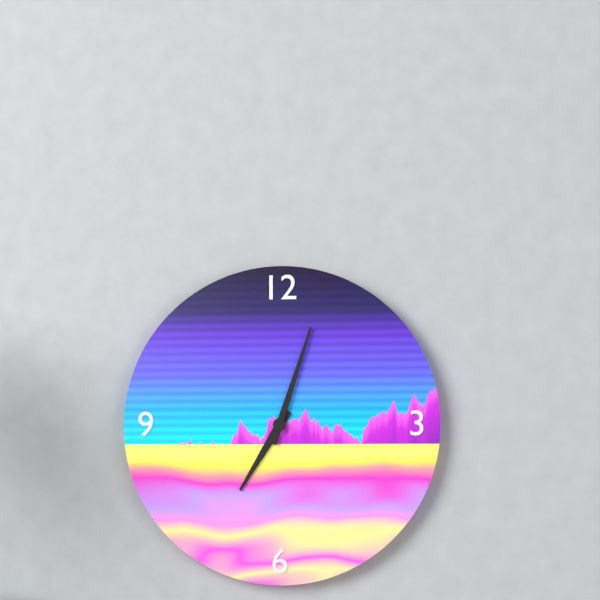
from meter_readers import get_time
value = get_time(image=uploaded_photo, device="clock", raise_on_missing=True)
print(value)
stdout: 7:03
